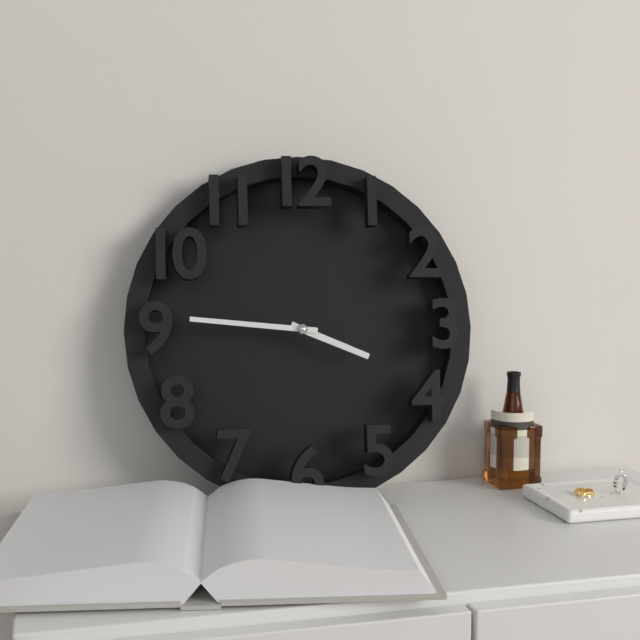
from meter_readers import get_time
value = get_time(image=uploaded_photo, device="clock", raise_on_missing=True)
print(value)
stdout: 3:46
